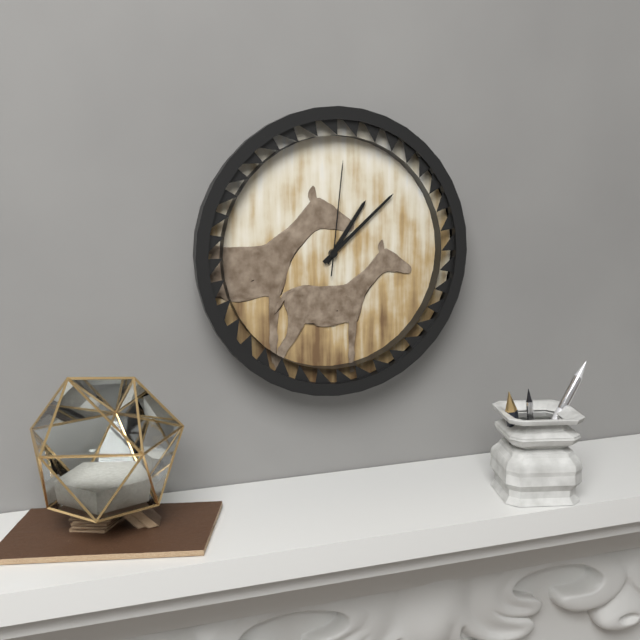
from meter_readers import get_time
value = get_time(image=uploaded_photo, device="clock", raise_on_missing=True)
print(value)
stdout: 1:08:01
